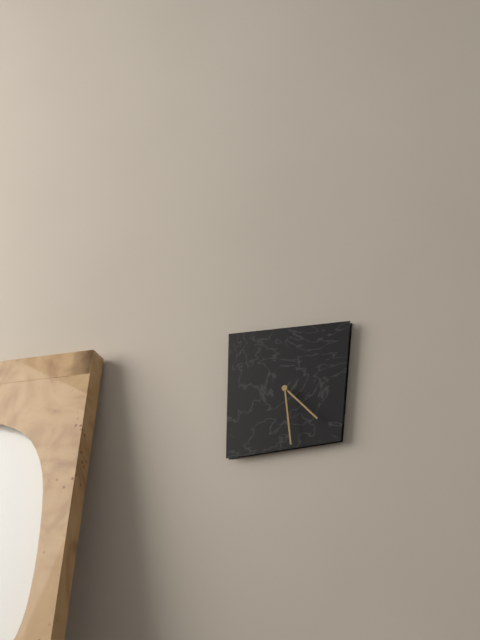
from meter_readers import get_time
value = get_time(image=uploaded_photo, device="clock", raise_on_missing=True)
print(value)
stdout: 4:29
